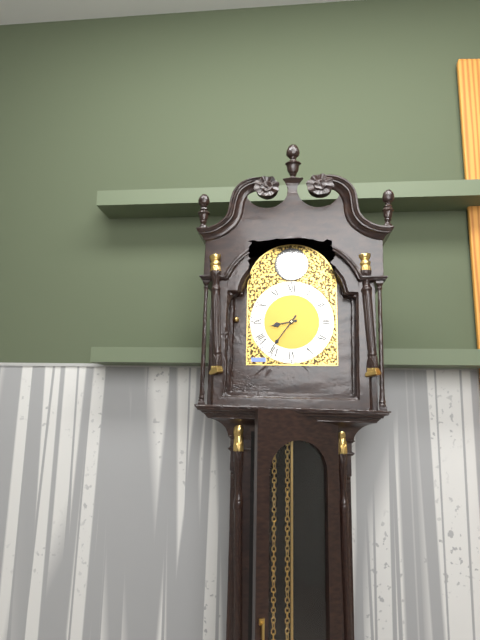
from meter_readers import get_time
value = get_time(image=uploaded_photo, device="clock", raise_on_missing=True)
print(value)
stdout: 8:36
